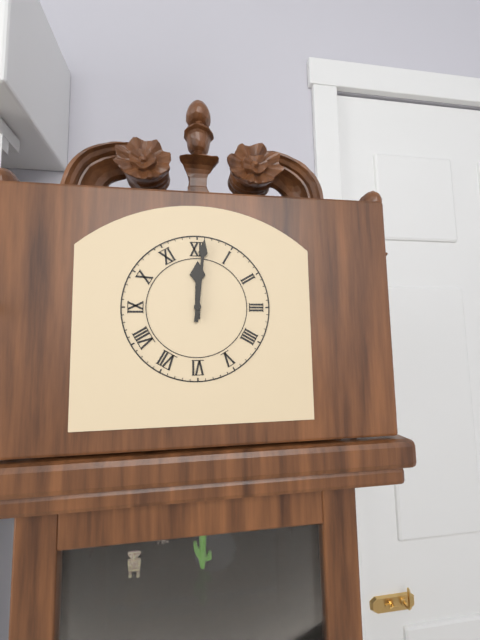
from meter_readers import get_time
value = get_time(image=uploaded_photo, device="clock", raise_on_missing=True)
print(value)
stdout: 12:01
